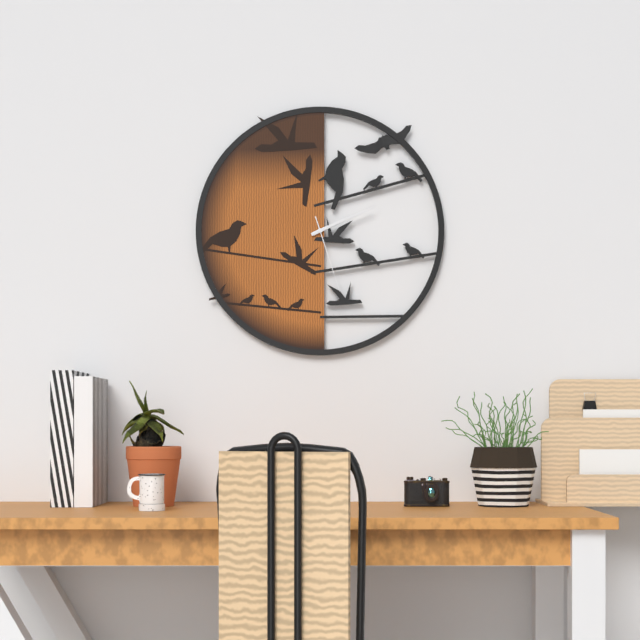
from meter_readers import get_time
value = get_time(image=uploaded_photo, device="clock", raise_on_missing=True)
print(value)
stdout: 2:11:27
